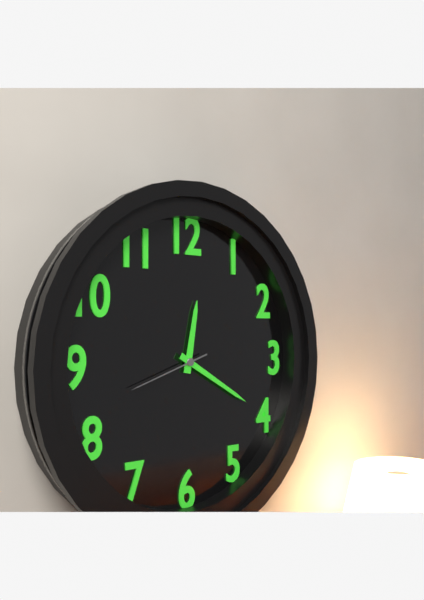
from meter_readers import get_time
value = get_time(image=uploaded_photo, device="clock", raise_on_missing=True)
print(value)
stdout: 12:20:42
